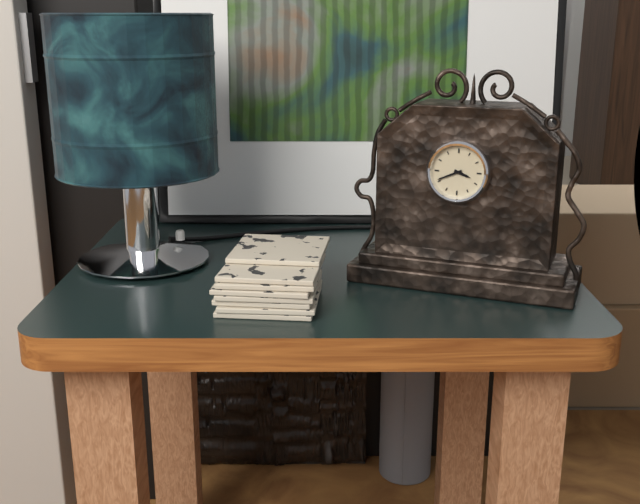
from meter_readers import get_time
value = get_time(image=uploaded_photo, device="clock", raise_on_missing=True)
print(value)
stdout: 3:41
